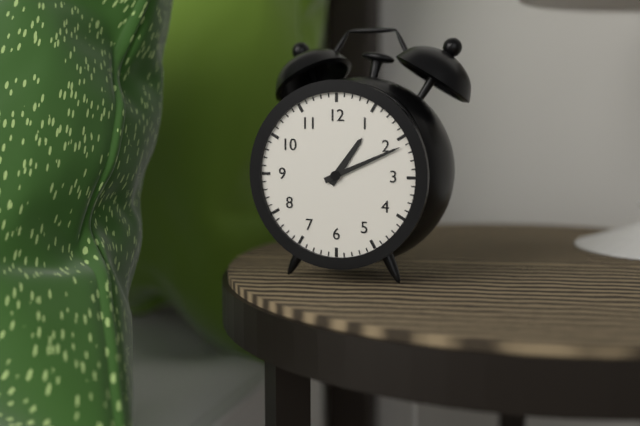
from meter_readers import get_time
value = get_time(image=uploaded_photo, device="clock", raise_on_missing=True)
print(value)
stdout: 1:11
